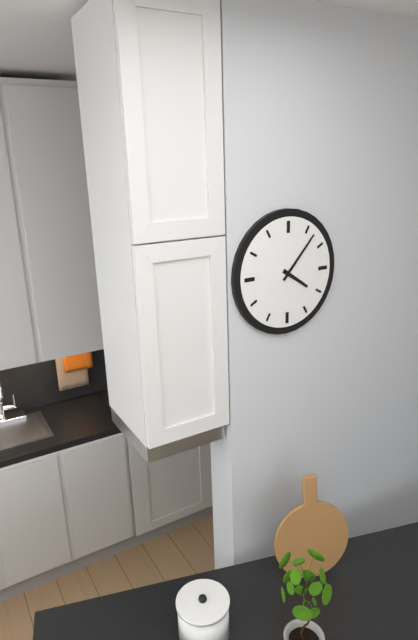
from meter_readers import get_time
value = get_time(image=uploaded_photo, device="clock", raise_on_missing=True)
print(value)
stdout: 4:07
